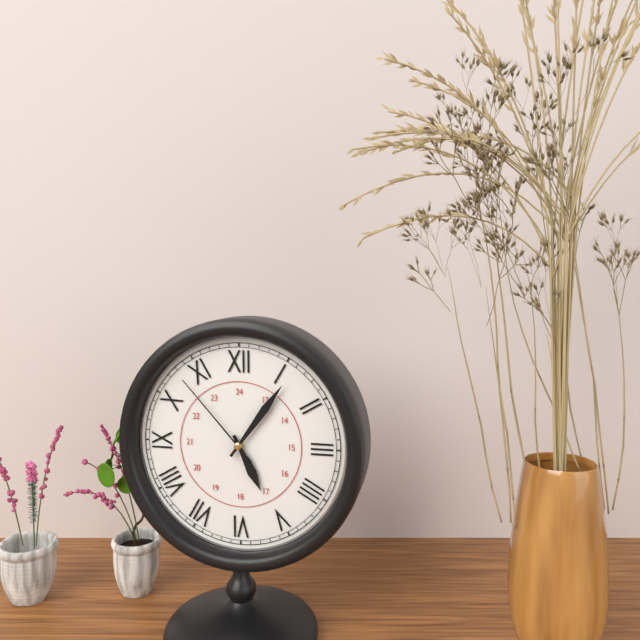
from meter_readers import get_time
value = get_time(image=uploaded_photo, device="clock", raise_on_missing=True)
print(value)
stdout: 5:06:53
